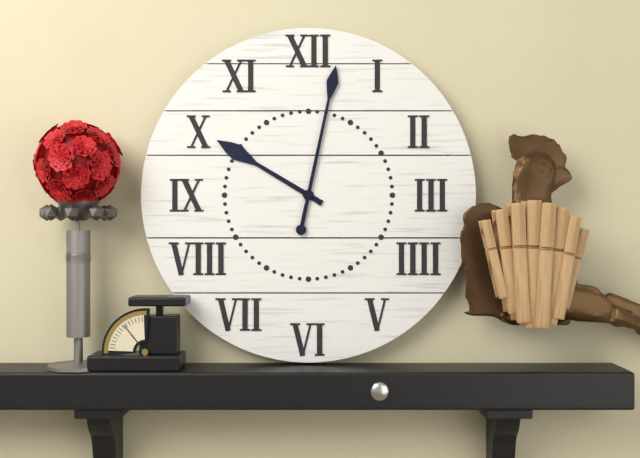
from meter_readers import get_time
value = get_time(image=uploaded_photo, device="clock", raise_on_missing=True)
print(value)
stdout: 10:02
